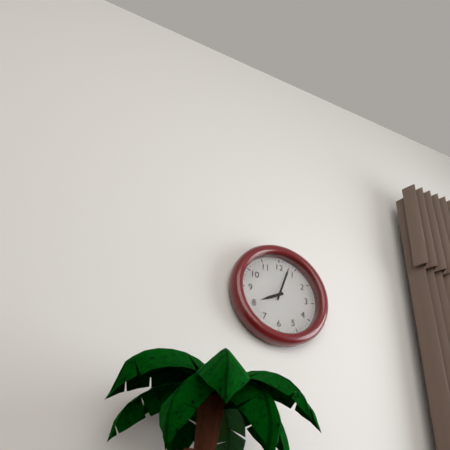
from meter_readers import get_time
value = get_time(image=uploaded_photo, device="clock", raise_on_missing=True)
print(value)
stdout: 8:03
